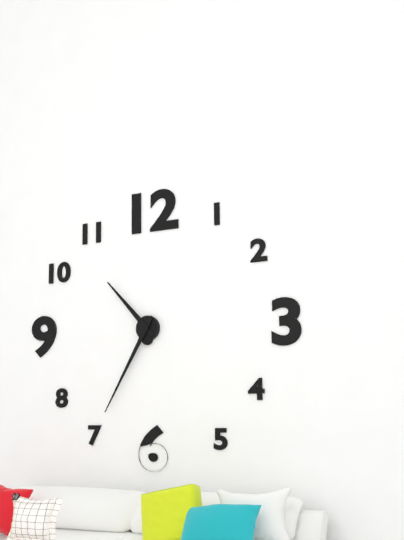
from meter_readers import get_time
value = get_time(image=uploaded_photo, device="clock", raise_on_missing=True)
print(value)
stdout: 10:35
